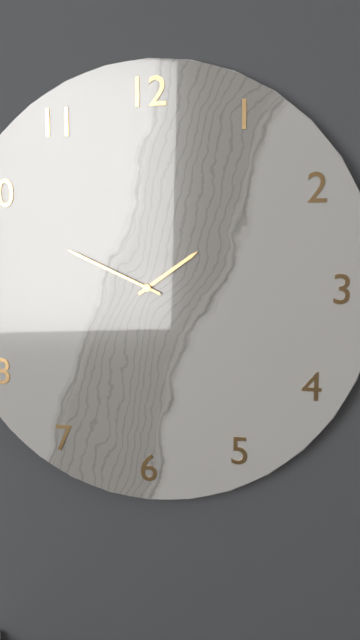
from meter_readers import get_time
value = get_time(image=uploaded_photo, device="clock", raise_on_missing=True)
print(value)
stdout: 1:49
